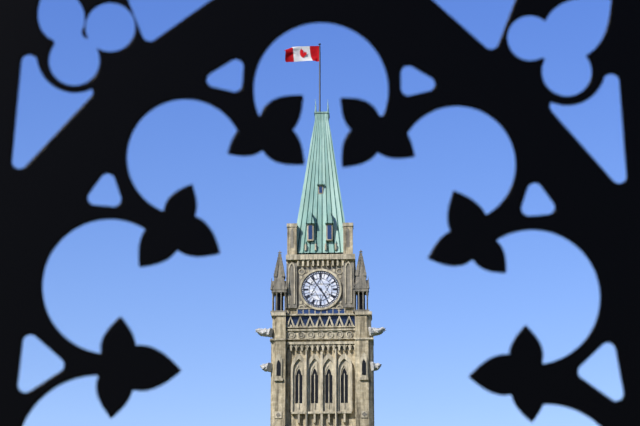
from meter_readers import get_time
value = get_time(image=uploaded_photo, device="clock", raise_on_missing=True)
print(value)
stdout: 4:54
